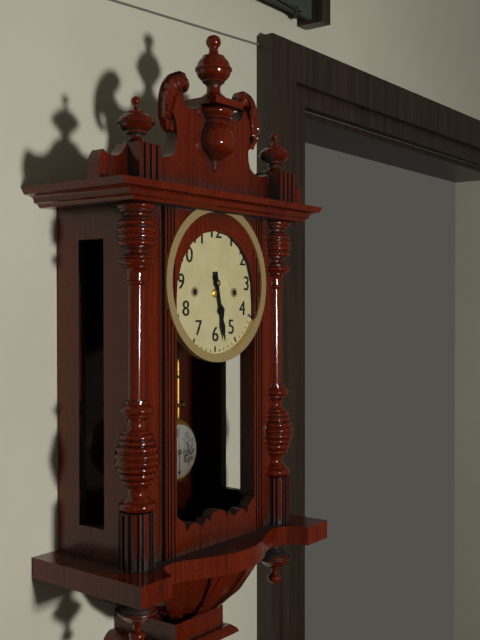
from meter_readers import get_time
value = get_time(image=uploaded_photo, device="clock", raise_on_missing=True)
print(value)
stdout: 5:28
